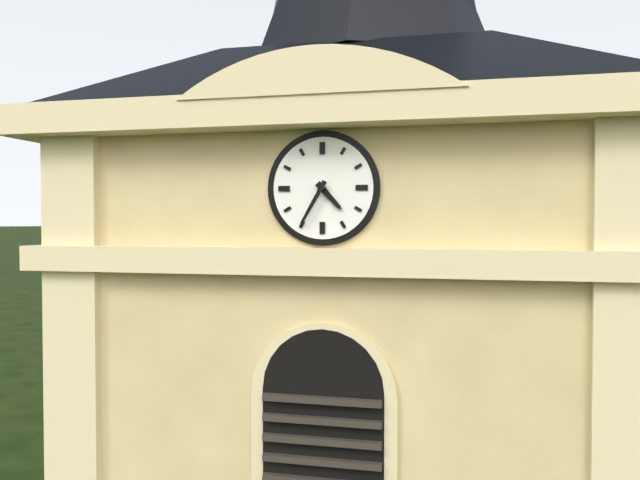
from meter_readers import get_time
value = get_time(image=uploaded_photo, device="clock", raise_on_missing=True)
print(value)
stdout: 4:35
